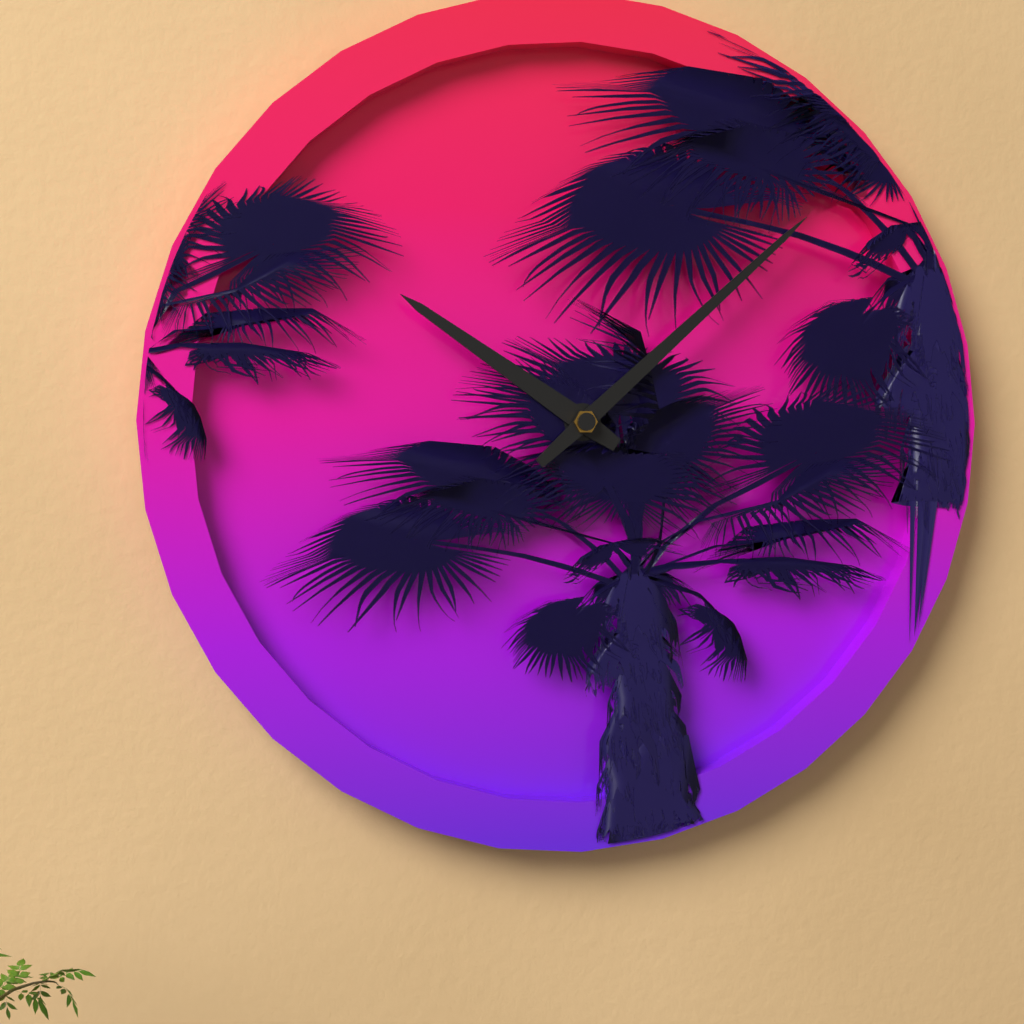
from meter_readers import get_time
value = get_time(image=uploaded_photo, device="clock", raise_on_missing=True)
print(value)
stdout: 10:08
